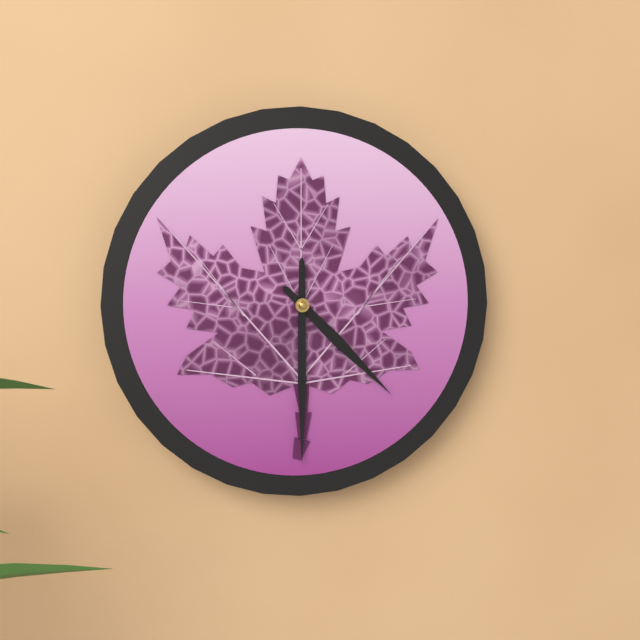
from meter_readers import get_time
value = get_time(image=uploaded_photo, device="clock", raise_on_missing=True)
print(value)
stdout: 4:30
